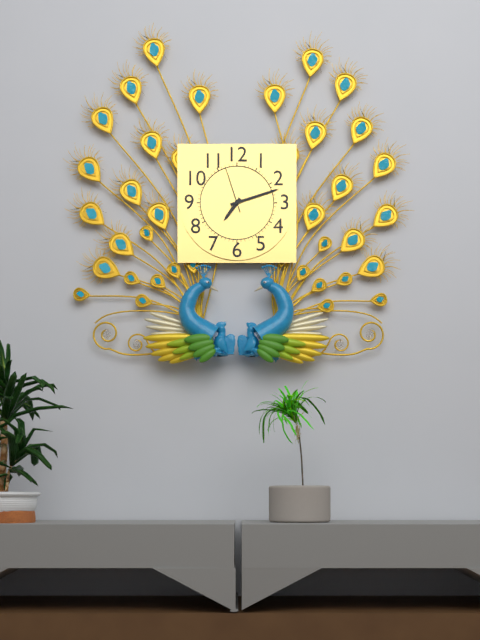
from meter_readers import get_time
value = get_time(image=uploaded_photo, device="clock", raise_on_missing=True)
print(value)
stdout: 7:12
